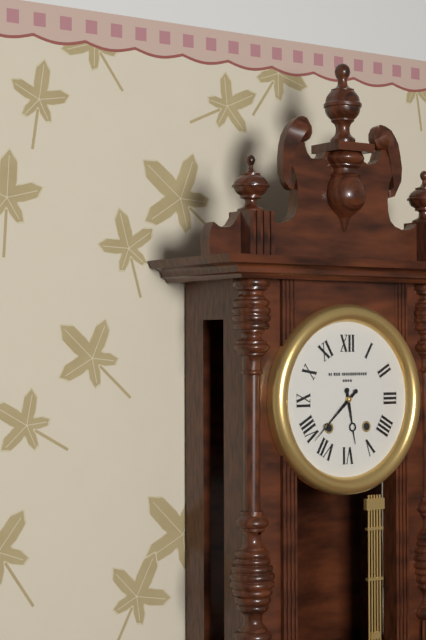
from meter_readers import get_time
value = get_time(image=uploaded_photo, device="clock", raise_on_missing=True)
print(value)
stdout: 5:38
